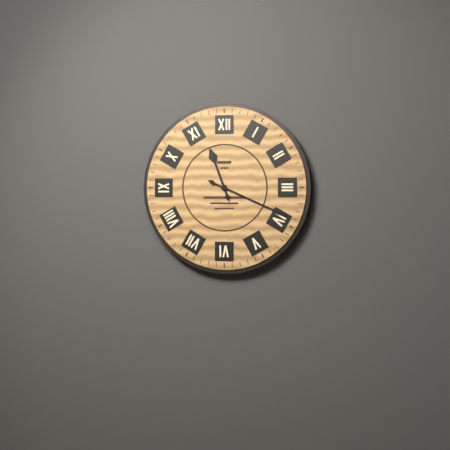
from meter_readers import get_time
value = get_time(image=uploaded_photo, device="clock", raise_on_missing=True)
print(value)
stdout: 11:19
